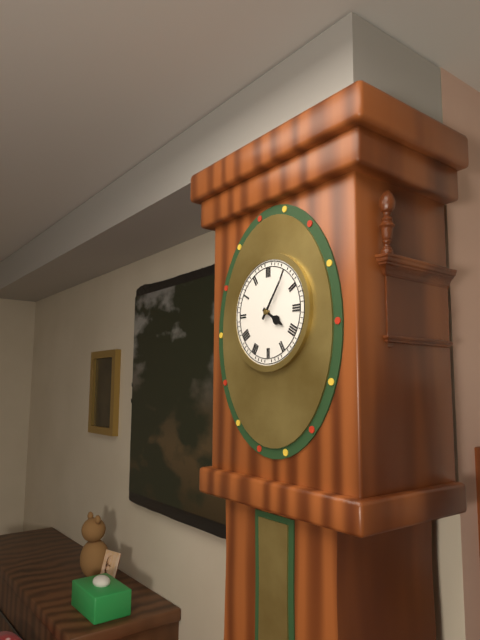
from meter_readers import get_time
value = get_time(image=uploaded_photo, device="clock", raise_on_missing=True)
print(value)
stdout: 4:06
